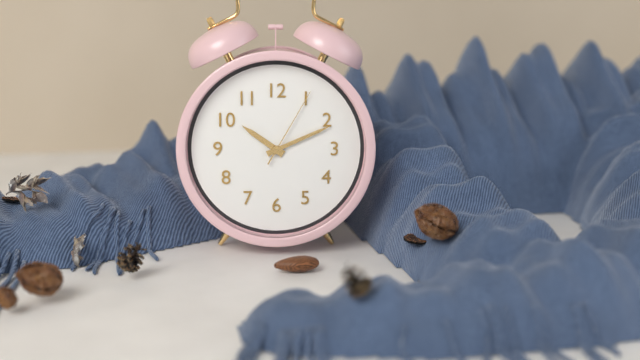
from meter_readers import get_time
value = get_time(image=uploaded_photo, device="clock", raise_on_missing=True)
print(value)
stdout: 10:11:05
